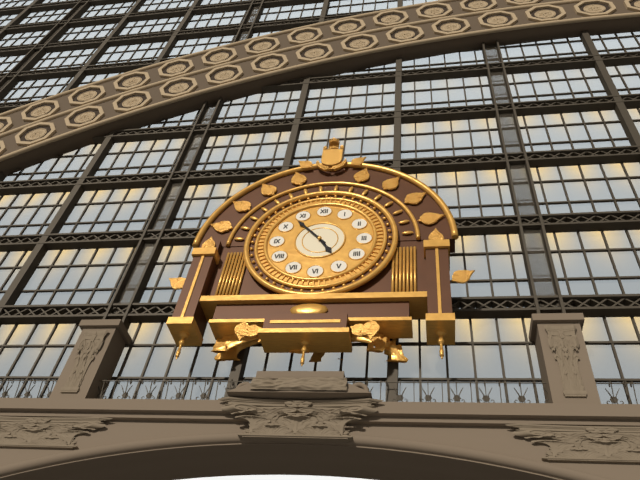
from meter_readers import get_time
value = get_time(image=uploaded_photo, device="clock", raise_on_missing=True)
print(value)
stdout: 4:53
